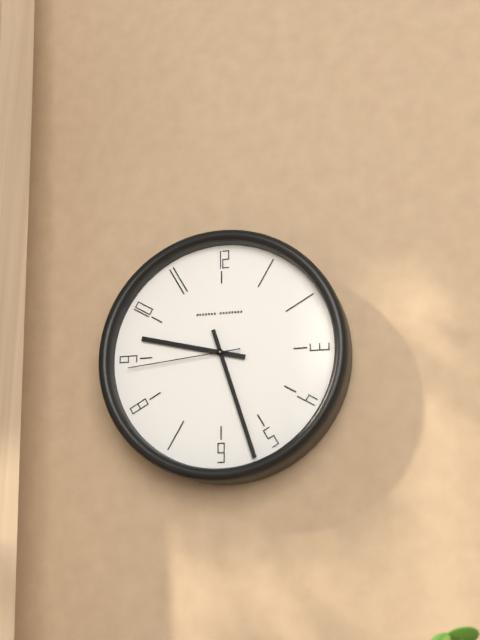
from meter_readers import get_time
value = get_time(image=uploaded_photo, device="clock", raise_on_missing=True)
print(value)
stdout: 9:27:44
